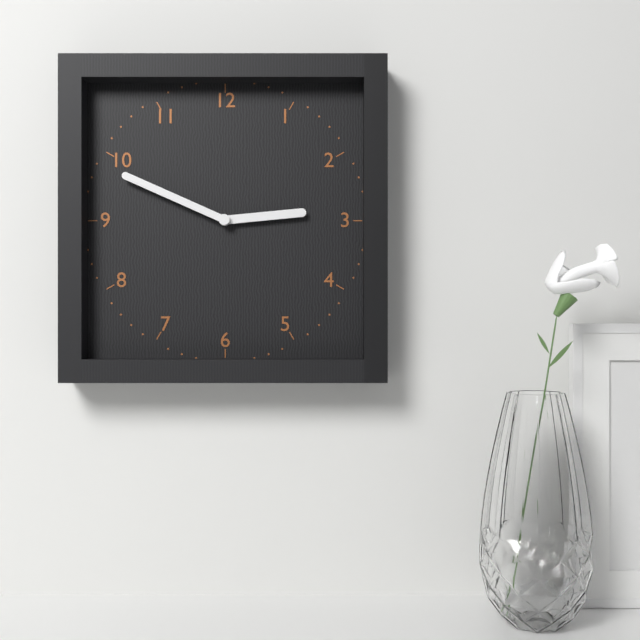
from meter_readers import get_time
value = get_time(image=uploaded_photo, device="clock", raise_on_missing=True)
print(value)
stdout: 2:49
